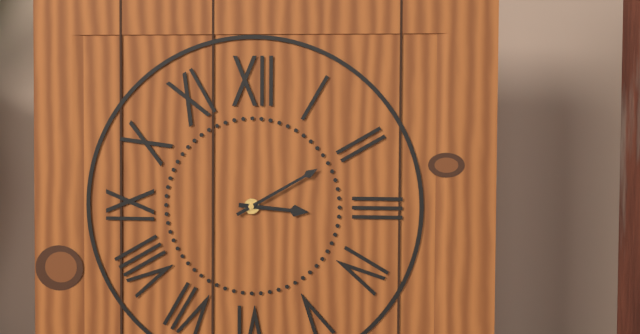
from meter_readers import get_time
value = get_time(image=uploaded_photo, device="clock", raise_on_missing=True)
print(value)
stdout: 3:10
